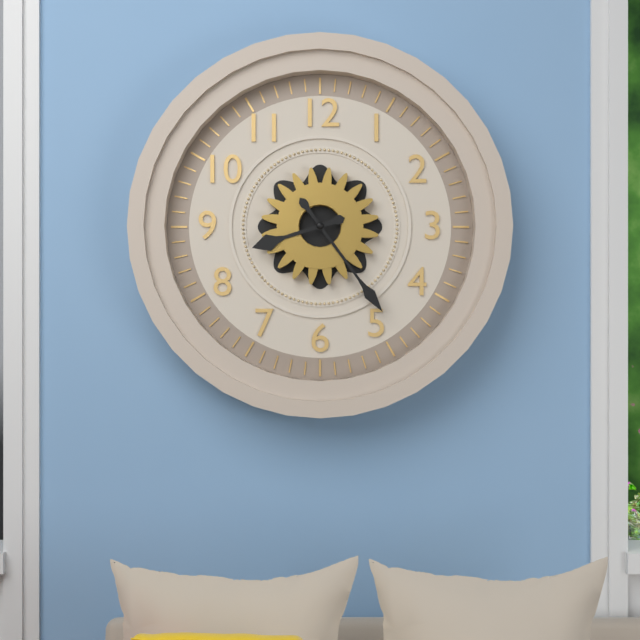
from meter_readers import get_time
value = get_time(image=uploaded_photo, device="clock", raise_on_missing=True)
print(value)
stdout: 8:24
